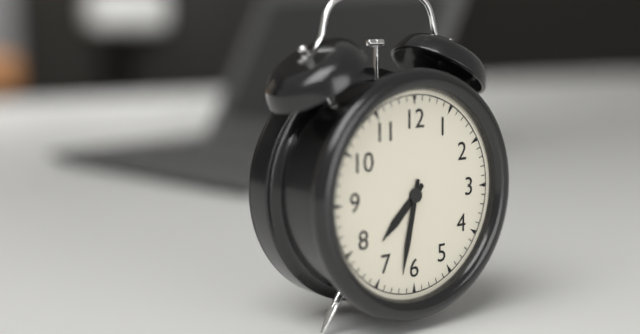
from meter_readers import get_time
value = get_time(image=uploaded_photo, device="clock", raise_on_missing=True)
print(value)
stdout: 7:32
